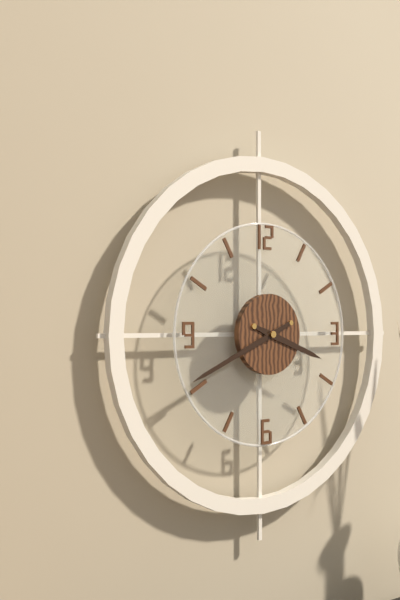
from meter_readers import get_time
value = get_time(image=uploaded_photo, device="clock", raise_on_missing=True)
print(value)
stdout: 3:41
